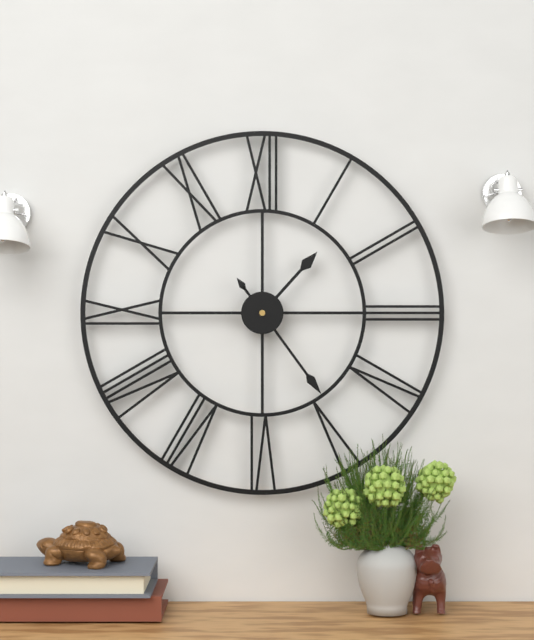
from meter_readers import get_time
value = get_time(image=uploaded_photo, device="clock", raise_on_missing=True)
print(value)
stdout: 1:24
